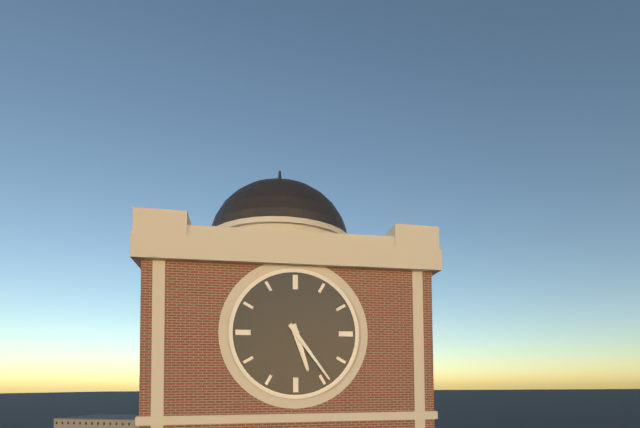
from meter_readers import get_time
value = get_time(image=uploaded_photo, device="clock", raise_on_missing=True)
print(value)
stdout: 5:24
